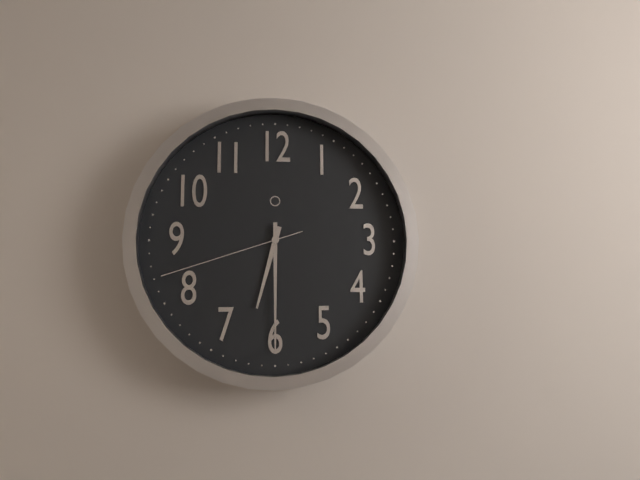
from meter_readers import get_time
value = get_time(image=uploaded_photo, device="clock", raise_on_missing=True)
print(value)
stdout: 6:30:42
